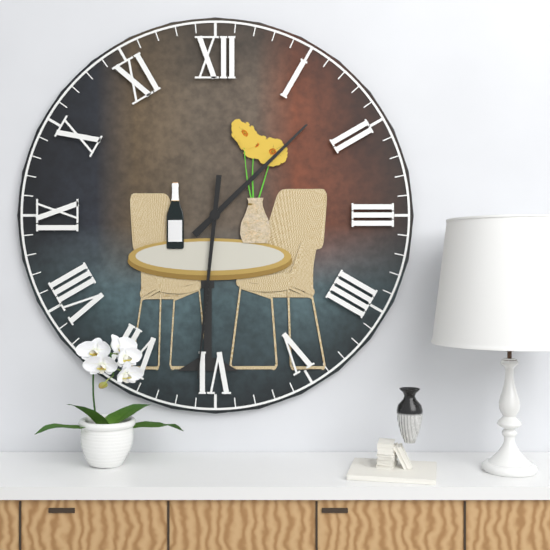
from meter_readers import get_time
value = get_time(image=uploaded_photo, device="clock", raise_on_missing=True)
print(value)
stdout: 1:31
